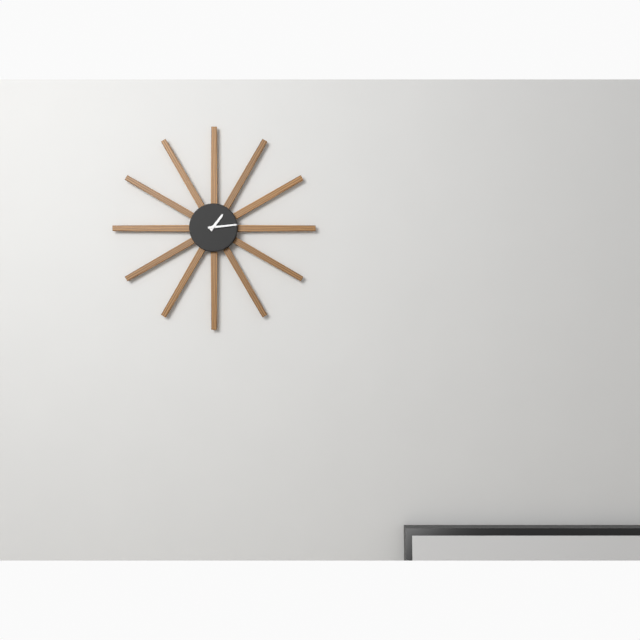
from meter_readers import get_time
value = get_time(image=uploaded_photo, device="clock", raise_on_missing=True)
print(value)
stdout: 1:14
